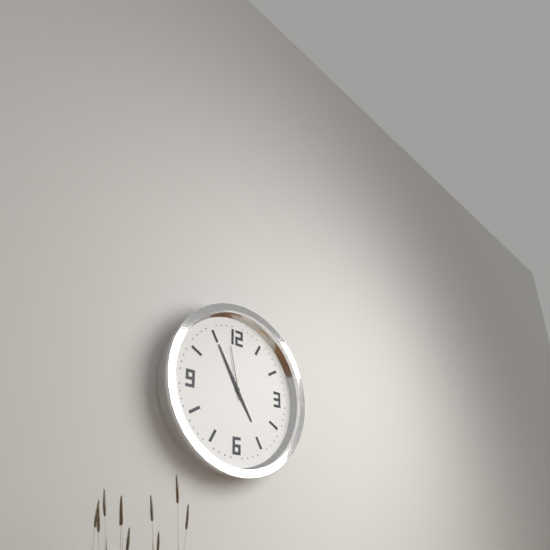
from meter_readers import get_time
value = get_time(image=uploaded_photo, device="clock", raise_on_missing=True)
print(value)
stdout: 4:55:58
